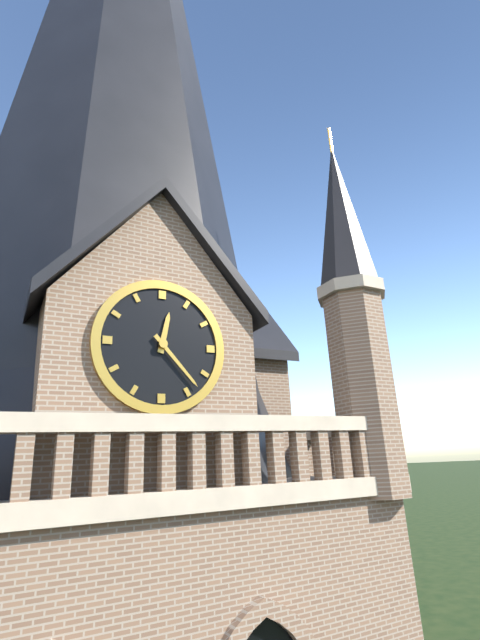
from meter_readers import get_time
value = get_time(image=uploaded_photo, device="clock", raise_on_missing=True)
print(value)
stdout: 12:23
